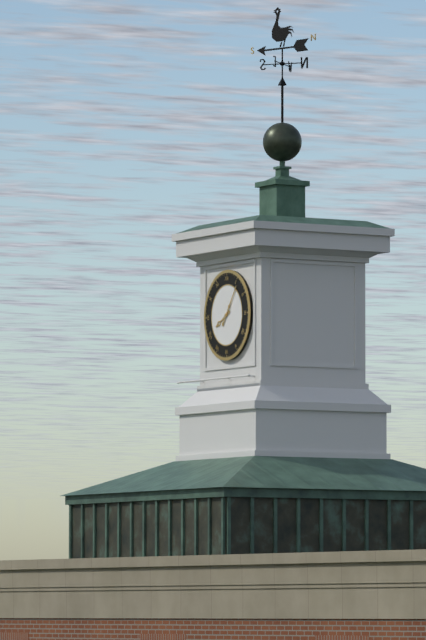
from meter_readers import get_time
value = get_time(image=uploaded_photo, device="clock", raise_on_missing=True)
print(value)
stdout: 8:06
